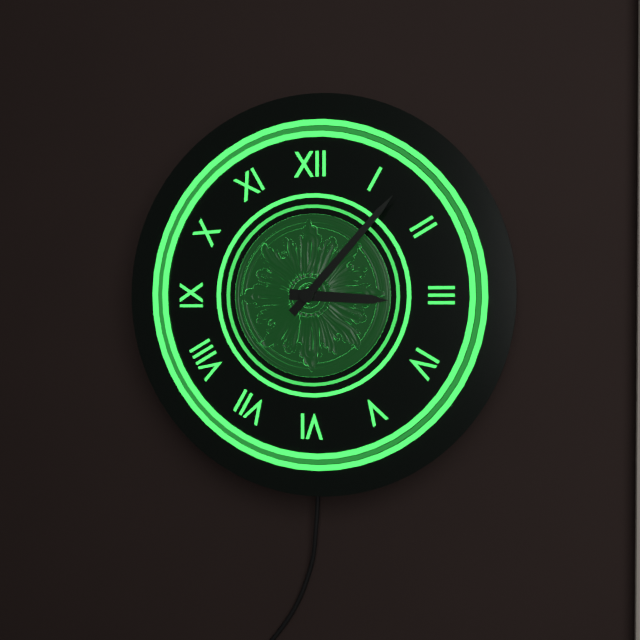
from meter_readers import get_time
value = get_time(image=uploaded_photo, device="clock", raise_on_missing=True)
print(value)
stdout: 3:07
